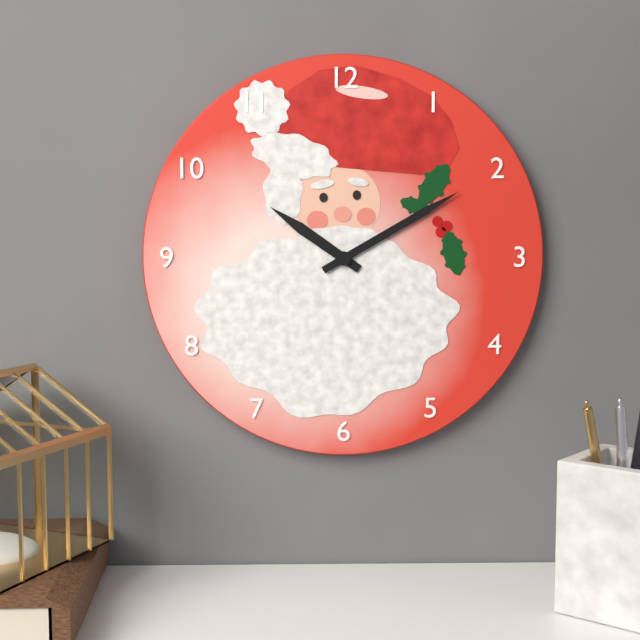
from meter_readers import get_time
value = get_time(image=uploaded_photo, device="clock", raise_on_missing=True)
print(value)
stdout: 10:10
